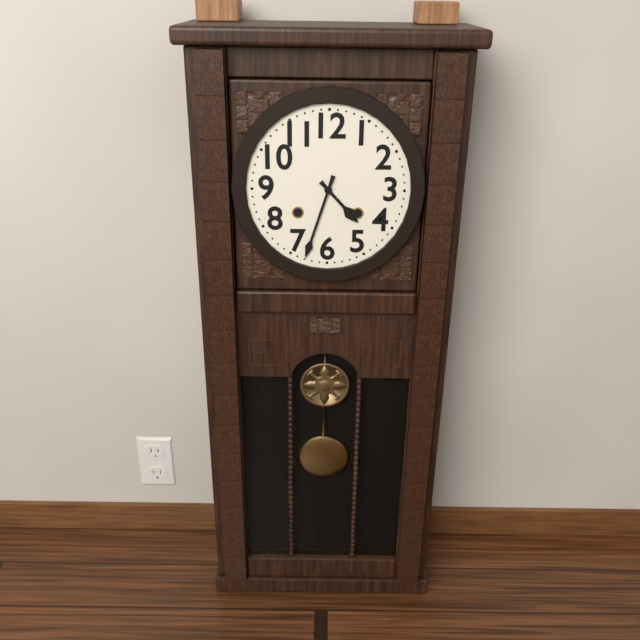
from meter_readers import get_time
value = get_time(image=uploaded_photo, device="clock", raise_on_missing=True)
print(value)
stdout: 4:33
